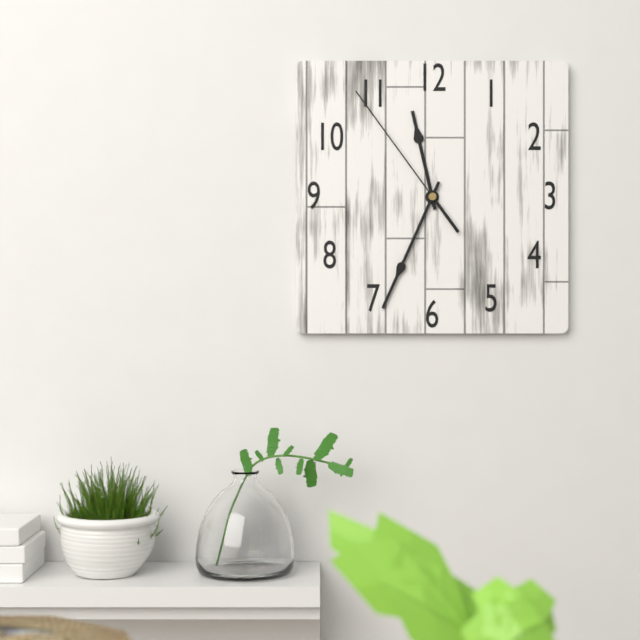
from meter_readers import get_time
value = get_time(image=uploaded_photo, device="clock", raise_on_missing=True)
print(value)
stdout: 11:34:54
